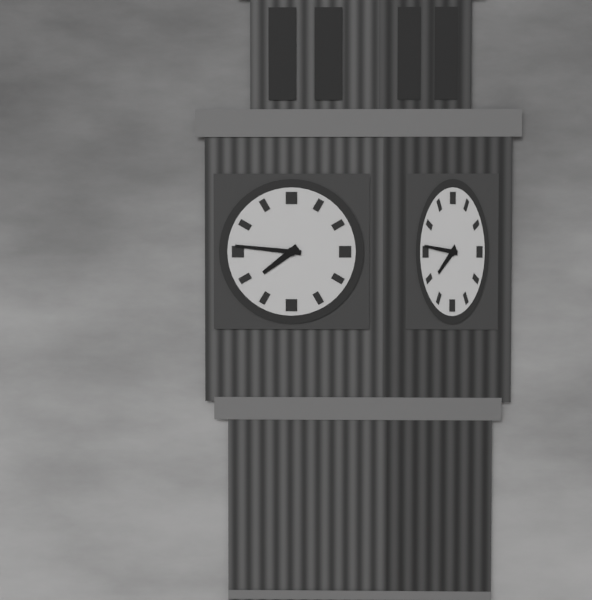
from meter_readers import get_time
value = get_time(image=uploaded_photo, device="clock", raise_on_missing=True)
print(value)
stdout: 7:46
